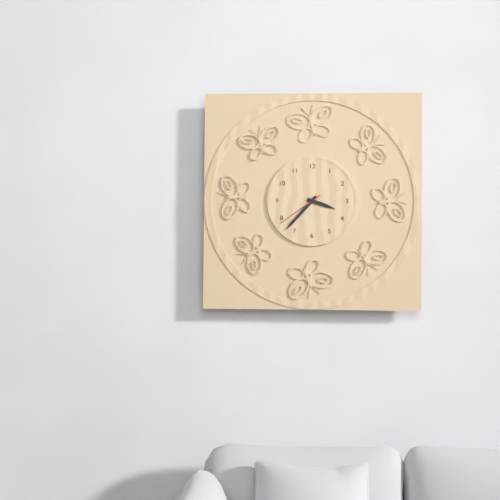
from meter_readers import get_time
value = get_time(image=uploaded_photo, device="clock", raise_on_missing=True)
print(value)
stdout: 3:37
